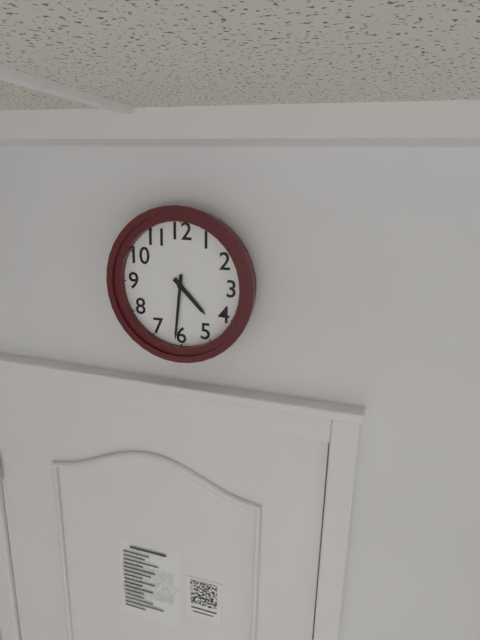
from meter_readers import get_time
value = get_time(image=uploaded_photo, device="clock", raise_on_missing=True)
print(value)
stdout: 4:31
